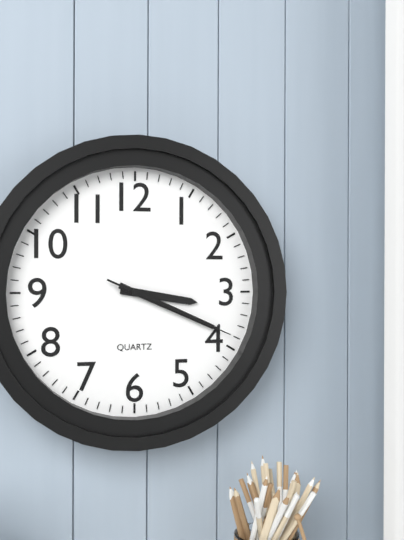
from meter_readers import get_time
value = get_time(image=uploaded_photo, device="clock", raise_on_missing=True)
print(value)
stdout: 3:19:19
